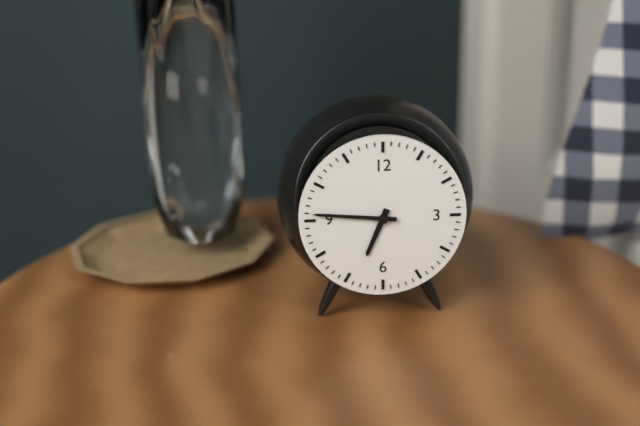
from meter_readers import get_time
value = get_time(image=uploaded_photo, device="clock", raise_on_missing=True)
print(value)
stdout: 6:46
